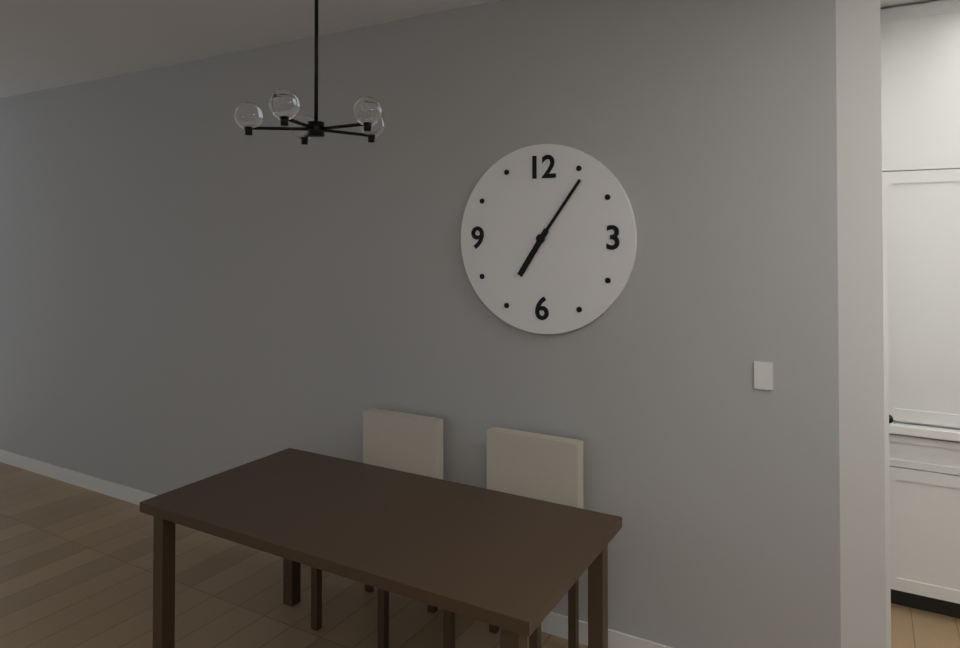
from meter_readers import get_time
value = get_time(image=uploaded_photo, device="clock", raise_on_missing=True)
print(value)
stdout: 7:06
